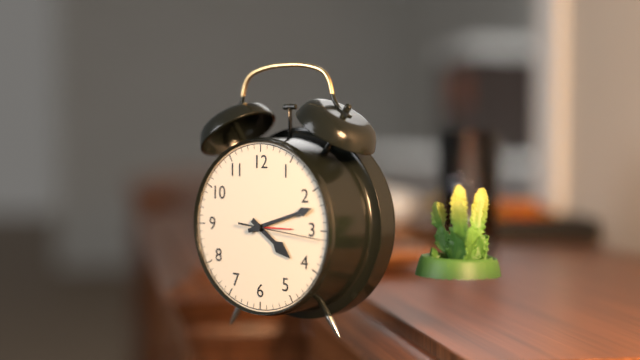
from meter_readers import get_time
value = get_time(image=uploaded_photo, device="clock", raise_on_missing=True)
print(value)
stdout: 4:12:16
